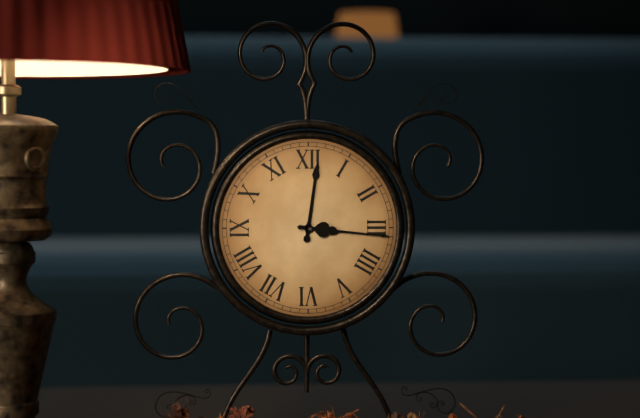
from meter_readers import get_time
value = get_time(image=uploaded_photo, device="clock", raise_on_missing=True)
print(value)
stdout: 12:16
